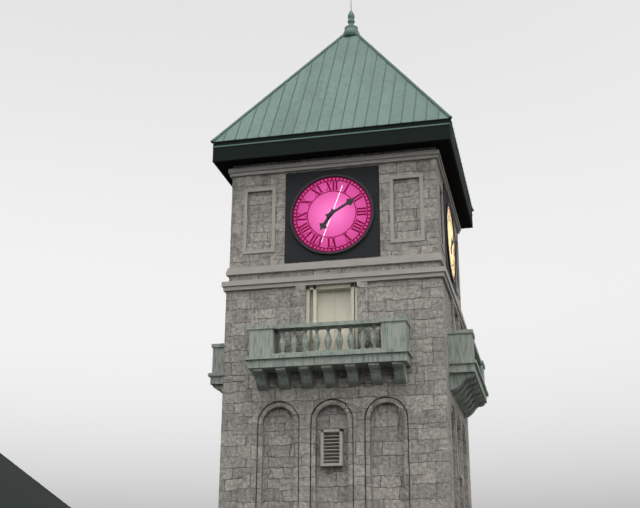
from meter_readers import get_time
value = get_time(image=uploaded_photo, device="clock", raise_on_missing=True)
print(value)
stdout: 7:10
